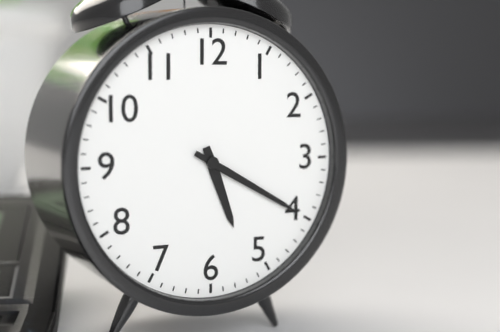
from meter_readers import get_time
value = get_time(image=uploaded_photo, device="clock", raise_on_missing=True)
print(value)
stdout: 5:20
